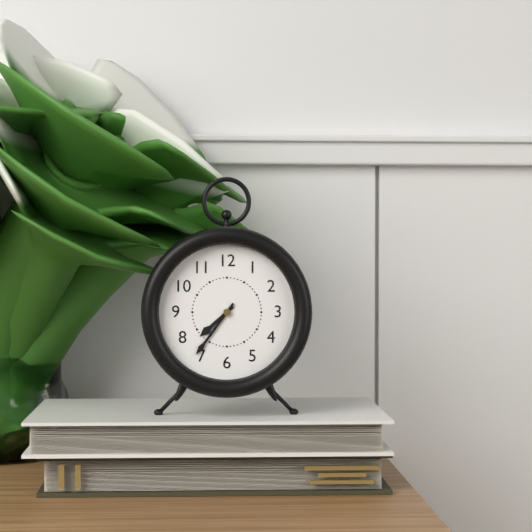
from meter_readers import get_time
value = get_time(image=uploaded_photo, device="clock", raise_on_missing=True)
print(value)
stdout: 7:36
